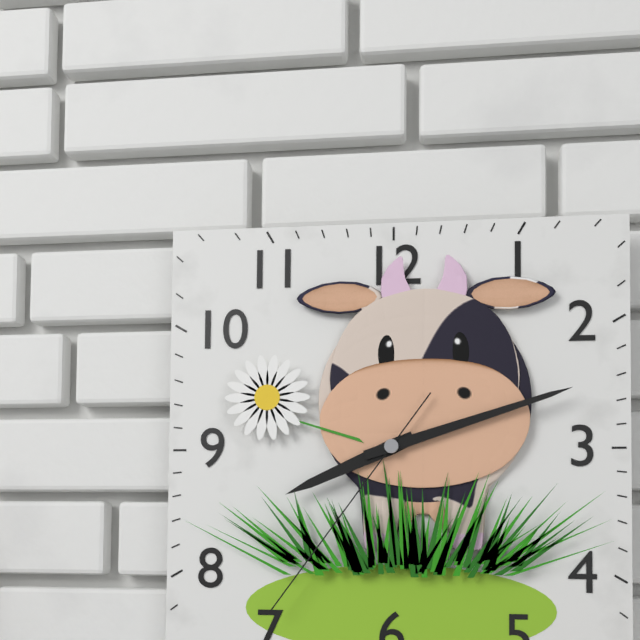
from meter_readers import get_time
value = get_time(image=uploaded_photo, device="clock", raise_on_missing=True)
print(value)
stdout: 8:12:36
